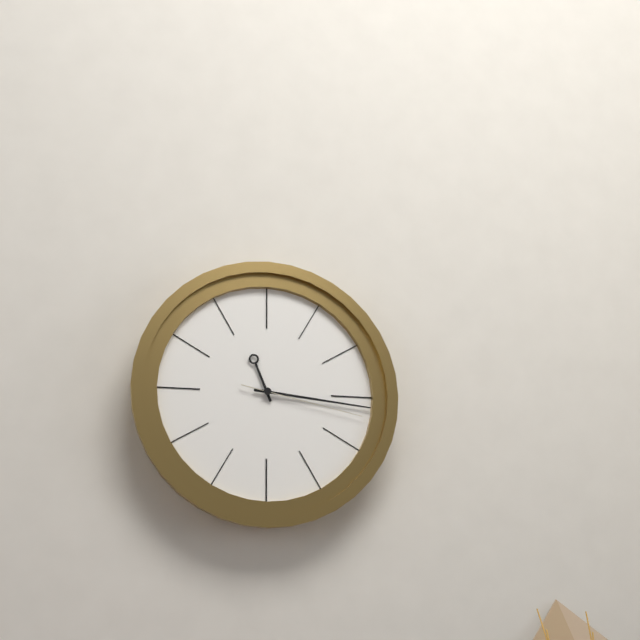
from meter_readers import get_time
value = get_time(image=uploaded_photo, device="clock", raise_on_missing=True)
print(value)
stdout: 11:16:17
